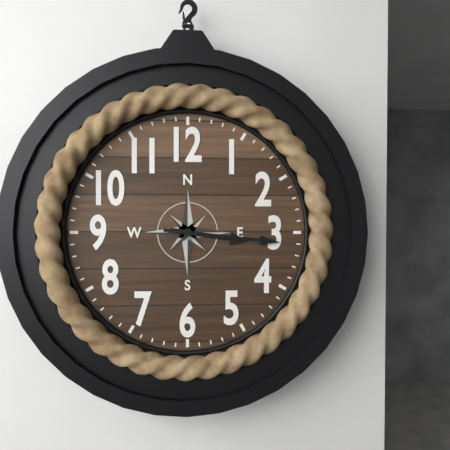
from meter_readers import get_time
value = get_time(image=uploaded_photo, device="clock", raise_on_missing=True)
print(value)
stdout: 3:16
